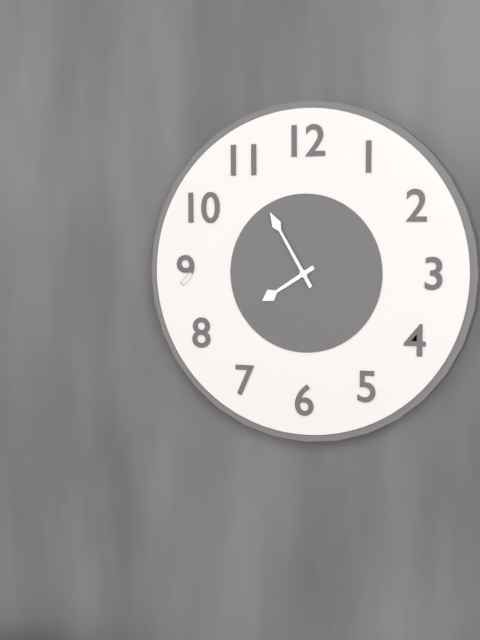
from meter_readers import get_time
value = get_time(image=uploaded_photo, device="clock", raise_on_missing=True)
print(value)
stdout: 7:55
